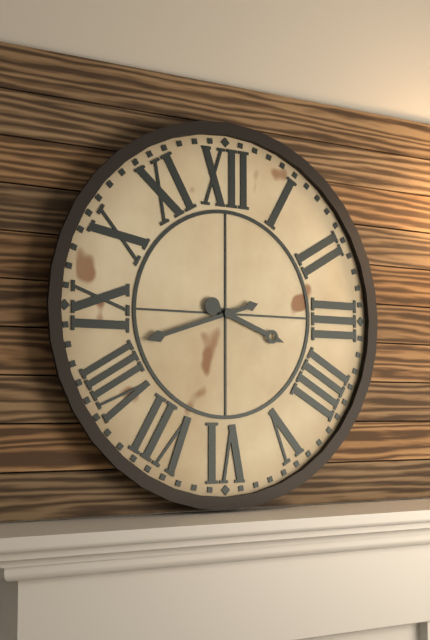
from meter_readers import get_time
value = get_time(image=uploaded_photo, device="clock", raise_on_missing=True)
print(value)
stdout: 3:42
